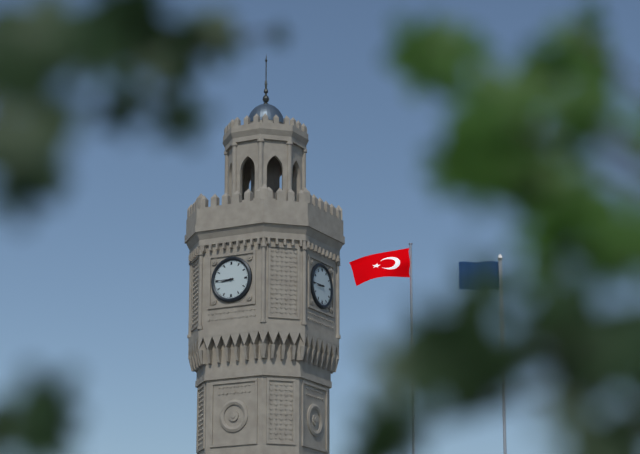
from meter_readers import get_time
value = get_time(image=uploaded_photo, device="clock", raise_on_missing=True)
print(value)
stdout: 8:45
